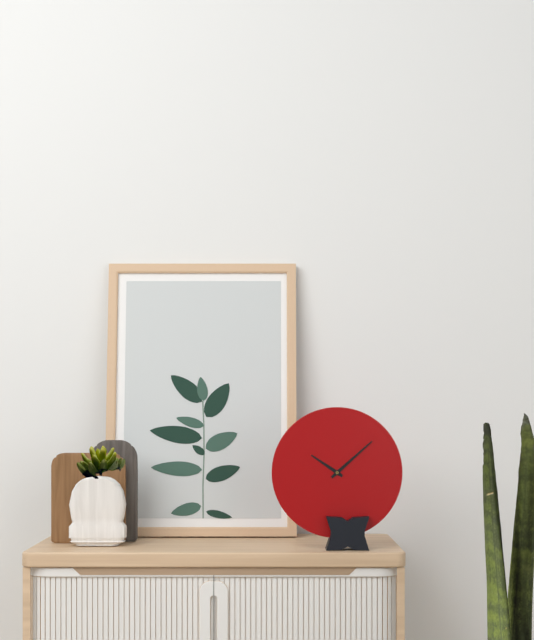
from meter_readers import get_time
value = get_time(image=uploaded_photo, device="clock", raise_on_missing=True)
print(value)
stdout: 10:08
